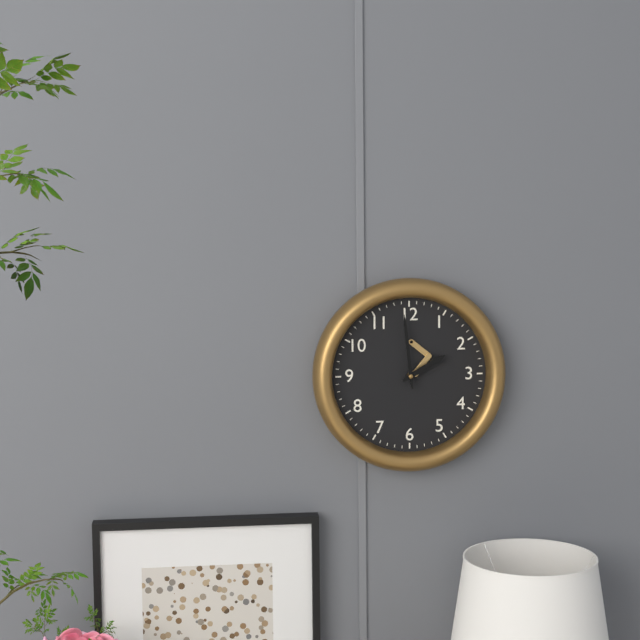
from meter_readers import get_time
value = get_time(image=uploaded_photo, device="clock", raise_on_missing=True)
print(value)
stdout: 1:59
